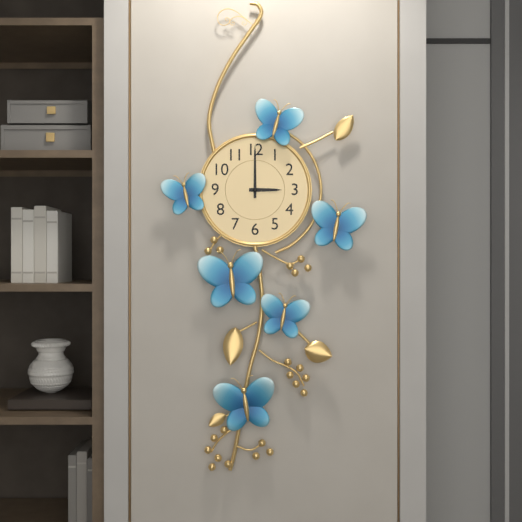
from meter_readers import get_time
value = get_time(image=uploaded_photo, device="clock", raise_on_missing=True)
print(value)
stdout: 3:00
